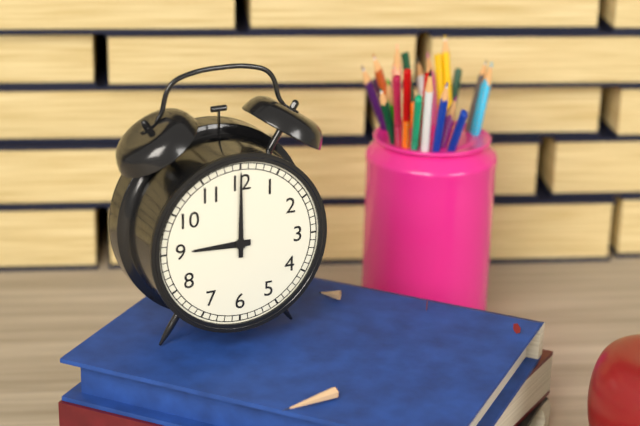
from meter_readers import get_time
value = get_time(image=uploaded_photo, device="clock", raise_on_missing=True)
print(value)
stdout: 9:00
